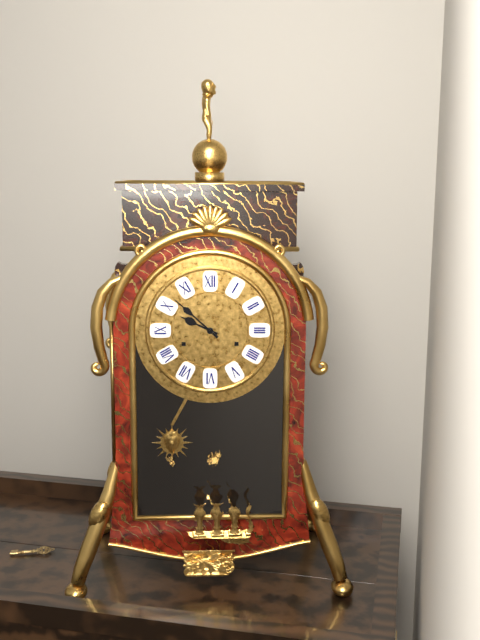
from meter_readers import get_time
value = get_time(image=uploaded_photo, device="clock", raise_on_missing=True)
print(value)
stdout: 9:52
